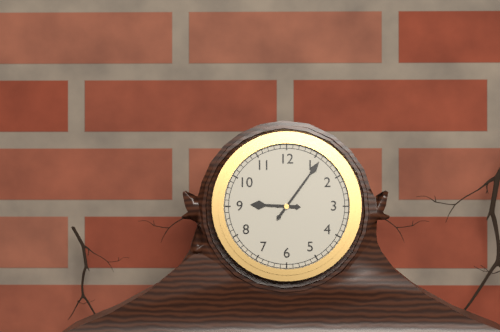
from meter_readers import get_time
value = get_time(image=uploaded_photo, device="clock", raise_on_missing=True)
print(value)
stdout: 9:06
